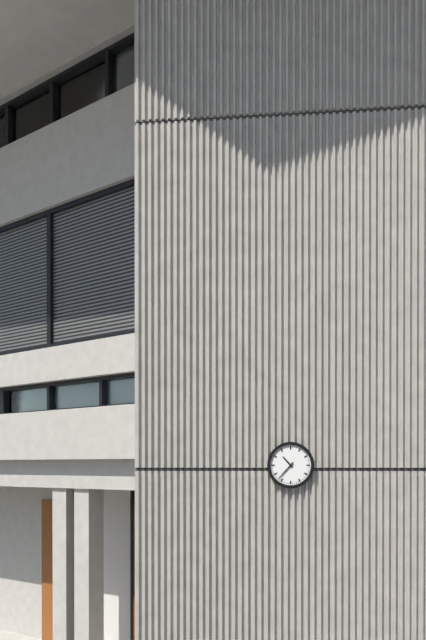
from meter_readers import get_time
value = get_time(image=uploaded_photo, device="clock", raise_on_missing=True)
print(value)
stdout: 10:37
